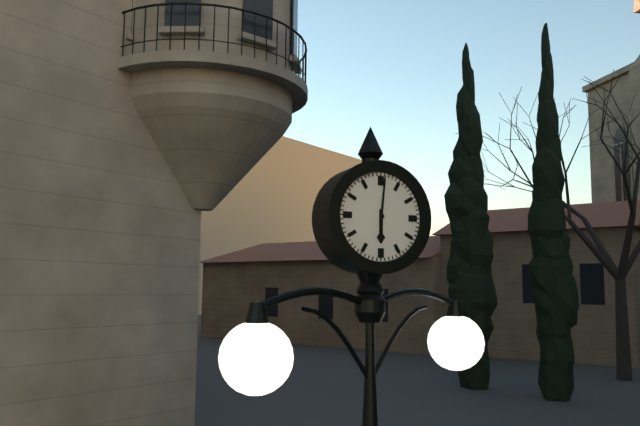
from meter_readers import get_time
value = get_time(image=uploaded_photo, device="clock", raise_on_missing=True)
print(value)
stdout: 6:01
